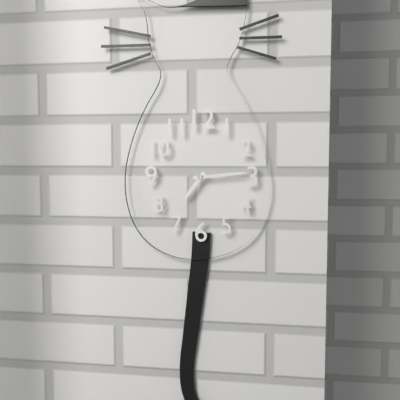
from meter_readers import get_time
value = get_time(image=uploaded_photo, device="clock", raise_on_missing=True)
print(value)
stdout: 7:14
